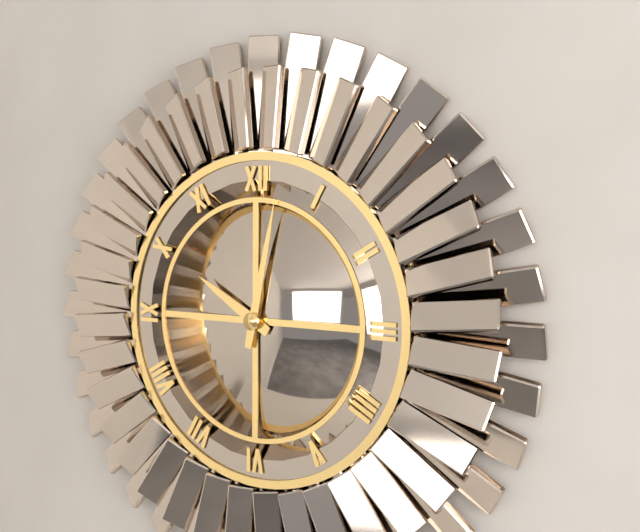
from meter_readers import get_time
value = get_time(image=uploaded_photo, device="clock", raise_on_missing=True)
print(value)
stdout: 10:02
